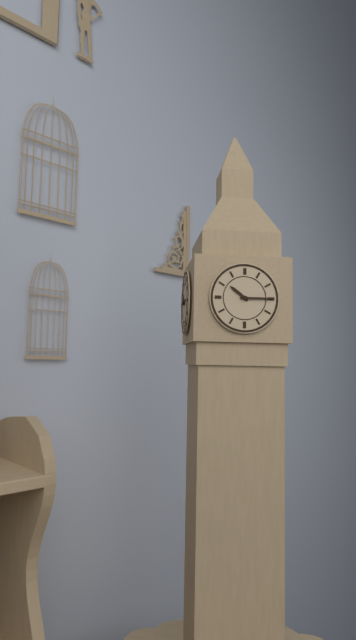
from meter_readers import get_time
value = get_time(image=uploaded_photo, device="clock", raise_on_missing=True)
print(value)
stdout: 10:15
